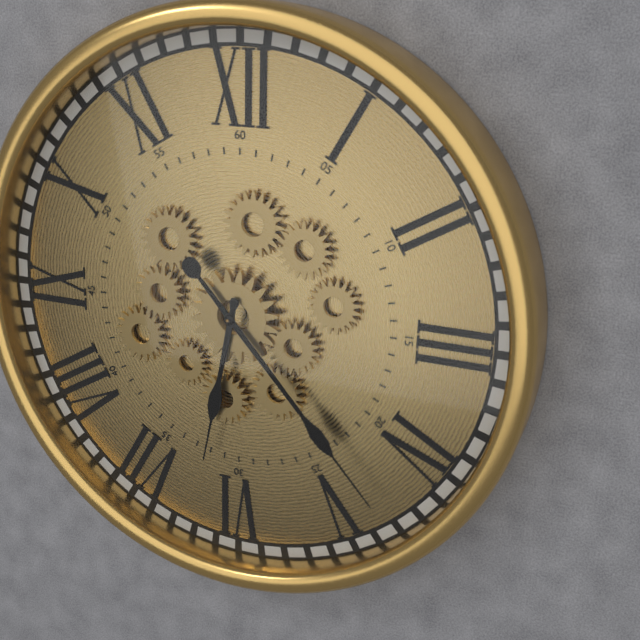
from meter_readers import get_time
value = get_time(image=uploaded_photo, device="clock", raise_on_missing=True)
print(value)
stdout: 6:23
